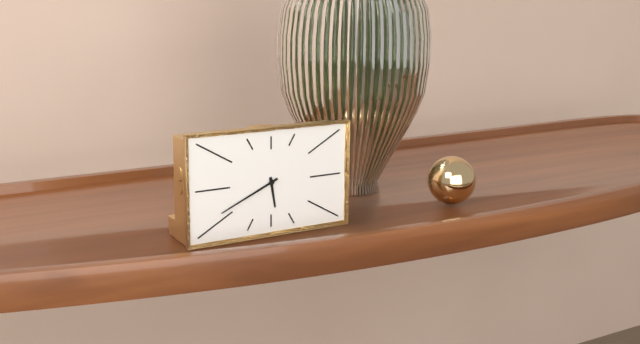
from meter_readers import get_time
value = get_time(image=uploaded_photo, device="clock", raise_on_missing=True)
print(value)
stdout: 5:41
